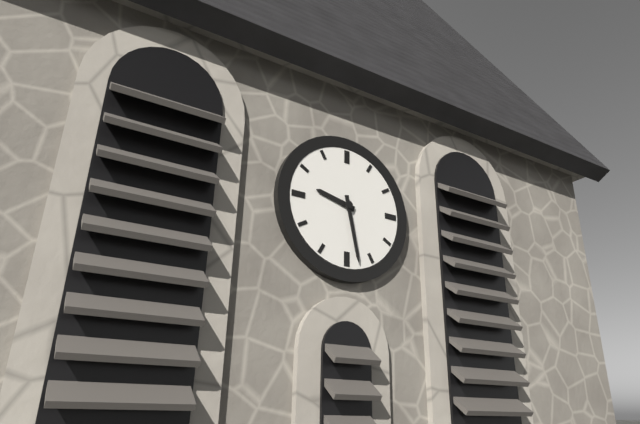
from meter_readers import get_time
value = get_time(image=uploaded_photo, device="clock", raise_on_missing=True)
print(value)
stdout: 9:28
